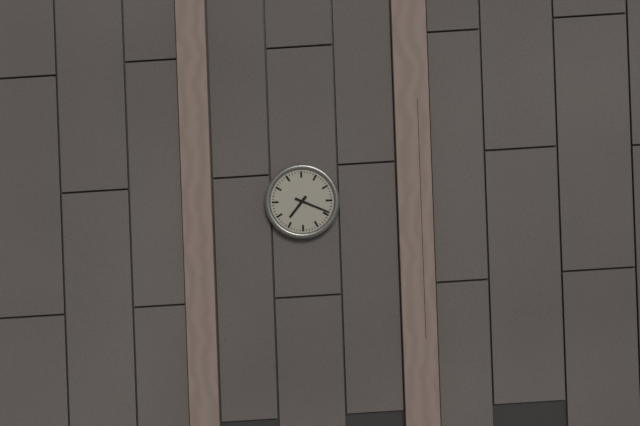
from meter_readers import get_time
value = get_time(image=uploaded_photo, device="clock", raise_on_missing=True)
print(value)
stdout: 7:19
